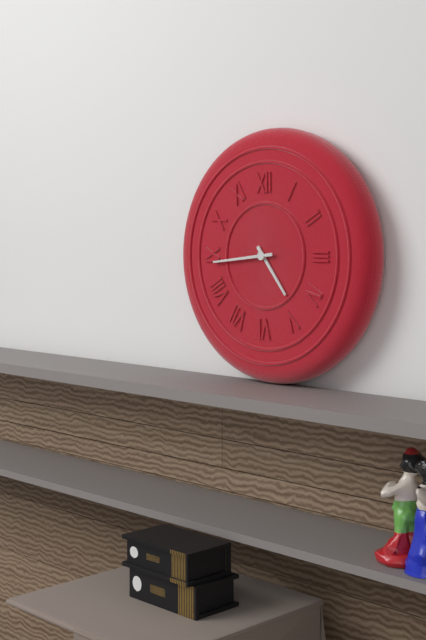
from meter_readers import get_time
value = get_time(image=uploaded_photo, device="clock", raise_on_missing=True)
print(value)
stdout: 4:44
